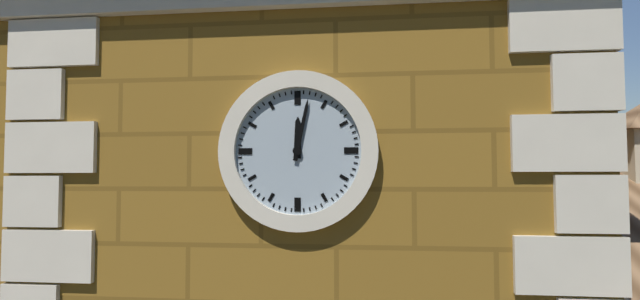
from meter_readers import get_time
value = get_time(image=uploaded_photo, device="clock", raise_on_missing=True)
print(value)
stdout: 12:02
